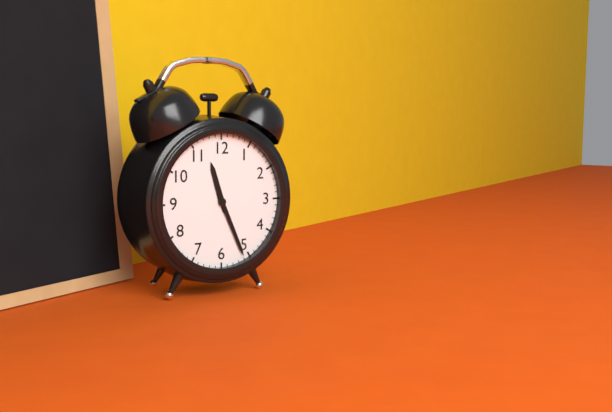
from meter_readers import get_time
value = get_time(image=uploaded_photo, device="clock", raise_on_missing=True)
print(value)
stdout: 11:26
